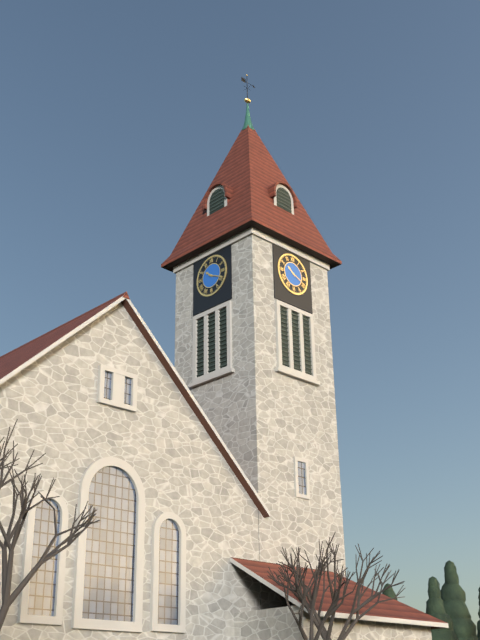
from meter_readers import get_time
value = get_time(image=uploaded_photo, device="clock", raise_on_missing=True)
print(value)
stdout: 10:19
